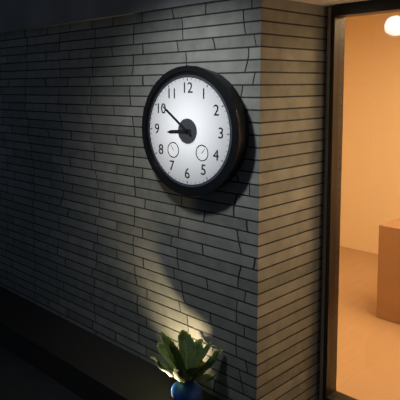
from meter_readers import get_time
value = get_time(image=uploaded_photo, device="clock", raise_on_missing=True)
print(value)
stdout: 8:51
